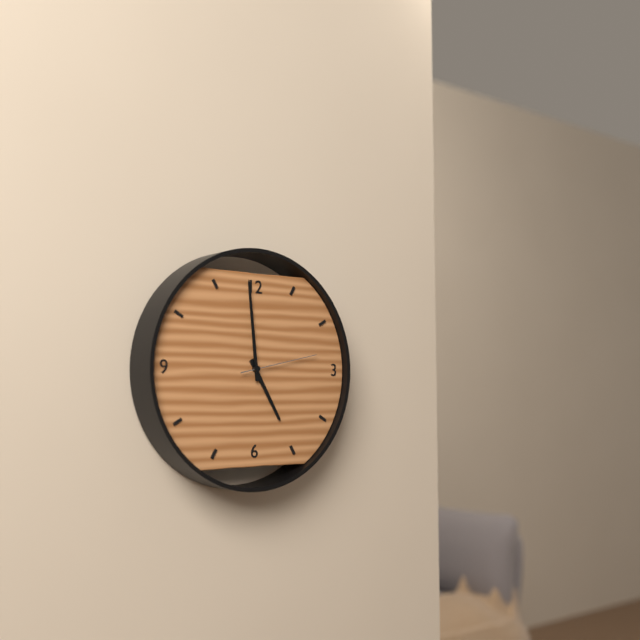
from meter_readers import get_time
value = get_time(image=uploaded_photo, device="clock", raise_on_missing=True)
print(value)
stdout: 4:59:13
